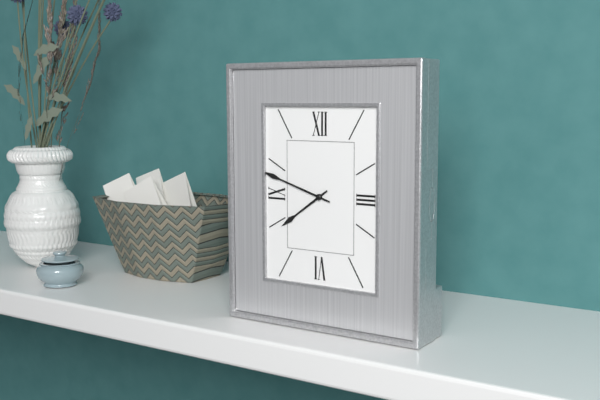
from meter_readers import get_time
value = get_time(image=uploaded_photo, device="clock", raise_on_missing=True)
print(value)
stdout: 7:48
